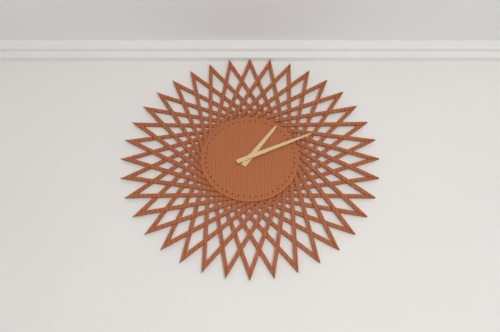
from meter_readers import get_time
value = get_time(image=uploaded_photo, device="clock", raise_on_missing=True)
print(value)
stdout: 1:11
